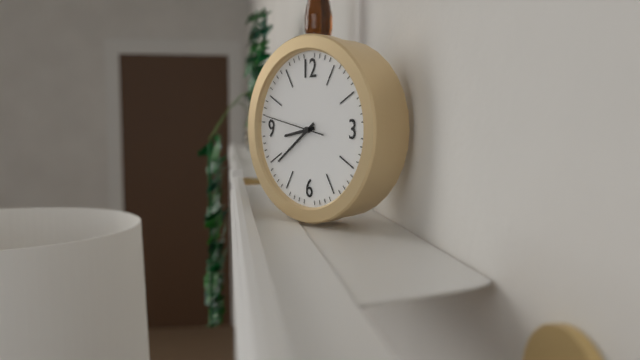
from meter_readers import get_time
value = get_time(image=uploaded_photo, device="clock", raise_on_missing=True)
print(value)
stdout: 8:39:47
